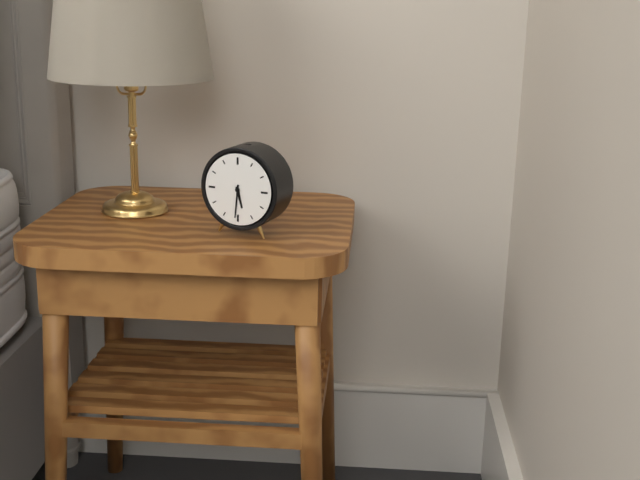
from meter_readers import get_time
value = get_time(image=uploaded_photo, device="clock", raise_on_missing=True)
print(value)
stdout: 5:31
